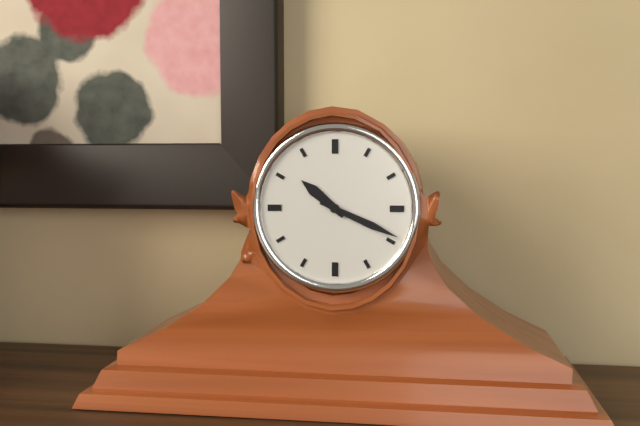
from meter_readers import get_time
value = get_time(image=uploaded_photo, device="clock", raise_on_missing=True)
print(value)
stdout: 10:19
